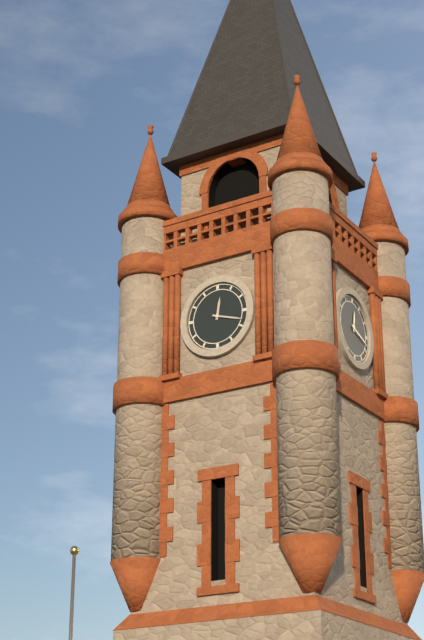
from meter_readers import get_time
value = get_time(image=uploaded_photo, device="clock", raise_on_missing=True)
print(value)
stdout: 12:18
